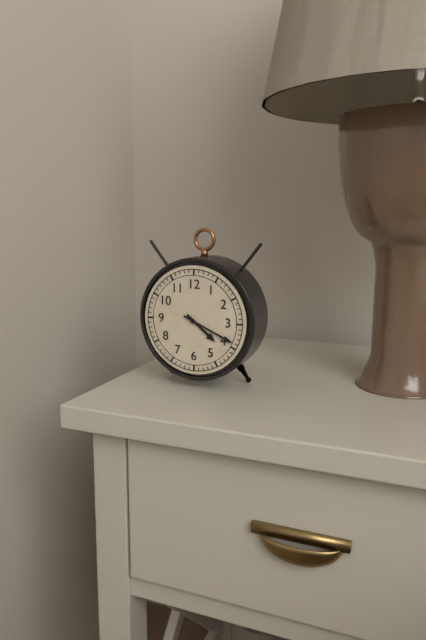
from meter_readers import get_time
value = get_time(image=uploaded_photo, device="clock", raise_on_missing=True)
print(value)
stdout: 4:19
